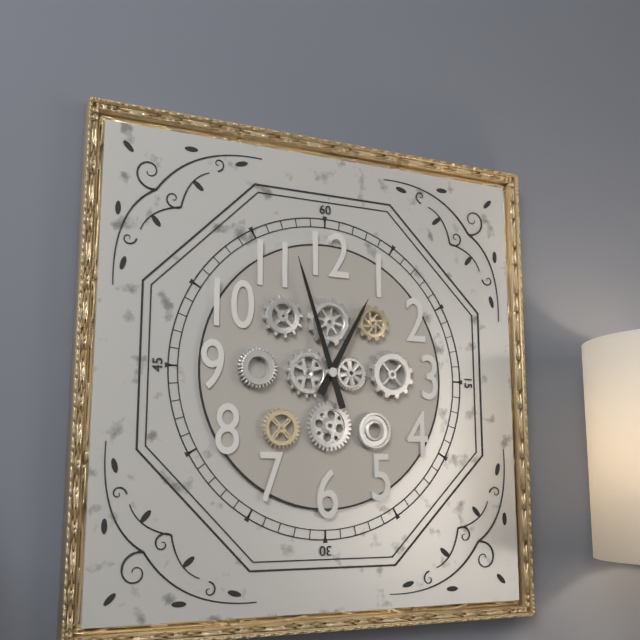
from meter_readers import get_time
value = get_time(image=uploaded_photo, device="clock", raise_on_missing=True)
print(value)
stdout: 12:57
